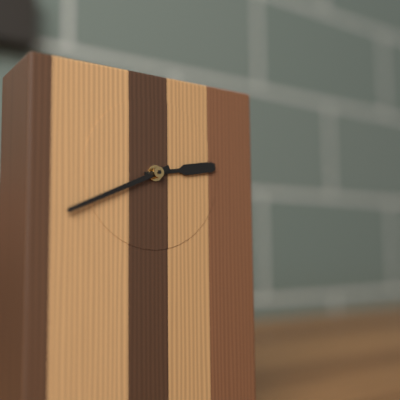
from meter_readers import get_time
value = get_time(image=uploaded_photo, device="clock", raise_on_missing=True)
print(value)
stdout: 2:41
